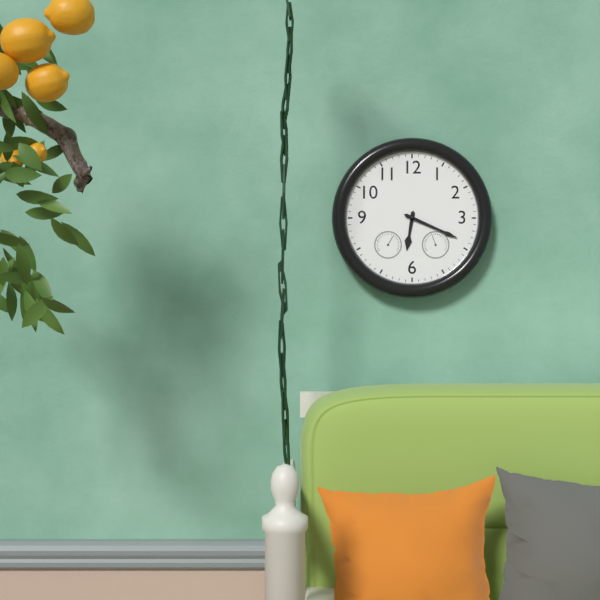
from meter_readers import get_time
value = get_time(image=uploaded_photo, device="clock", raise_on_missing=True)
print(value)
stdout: 6:19
